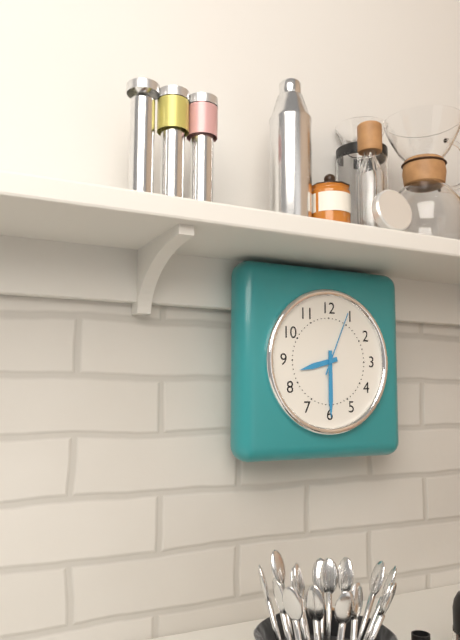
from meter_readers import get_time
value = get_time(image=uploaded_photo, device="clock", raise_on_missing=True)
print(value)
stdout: 8:30:04
